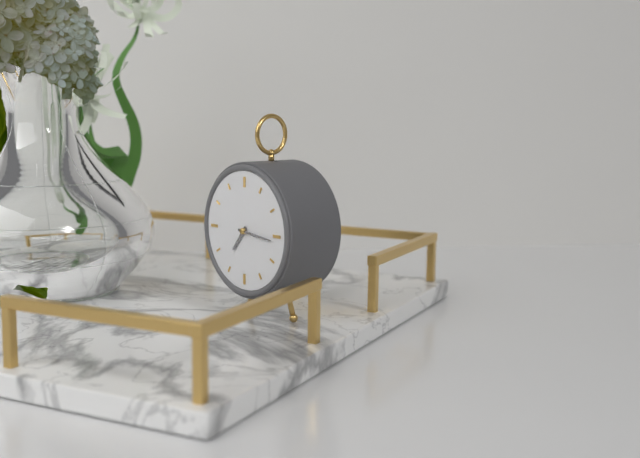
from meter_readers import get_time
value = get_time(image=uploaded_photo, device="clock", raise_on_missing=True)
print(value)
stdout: 7:16
